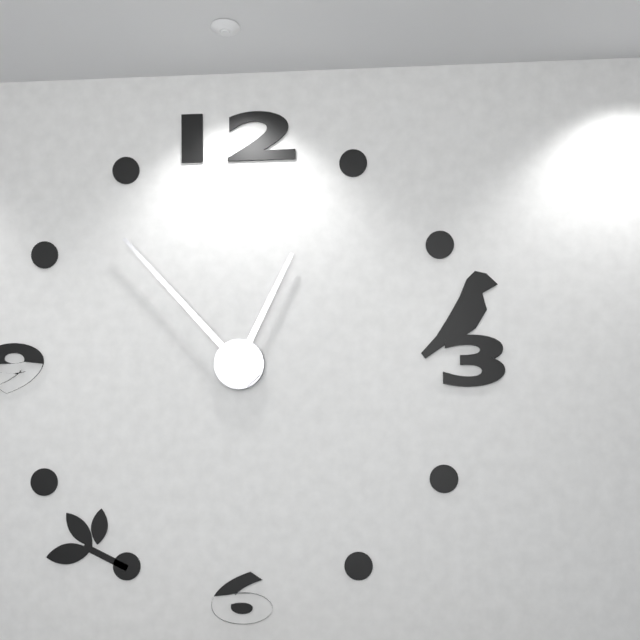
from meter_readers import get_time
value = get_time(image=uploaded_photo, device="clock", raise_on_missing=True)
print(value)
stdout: 12:53
